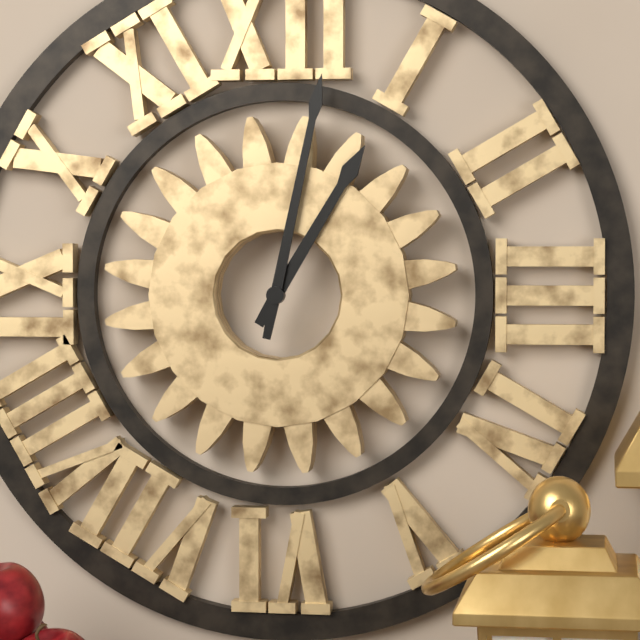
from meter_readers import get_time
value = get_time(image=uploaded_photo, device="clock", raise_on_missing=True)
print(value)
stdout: 1:02
